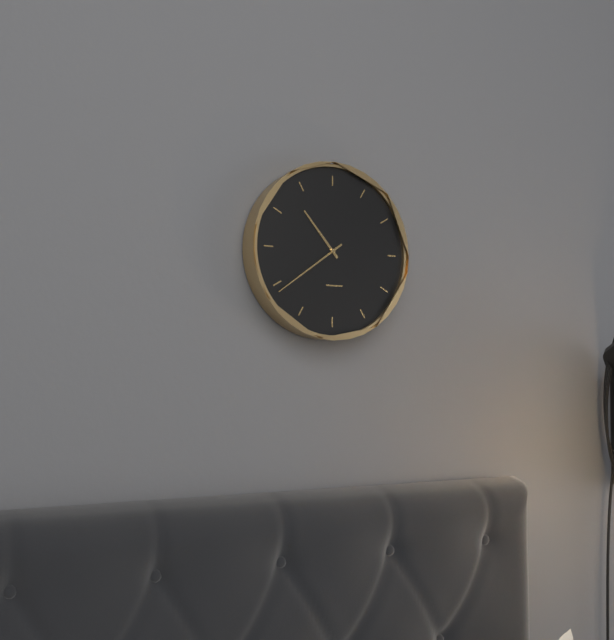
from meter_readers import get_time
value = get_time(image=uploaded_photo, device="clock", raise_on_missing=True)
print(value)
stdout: 10:39
